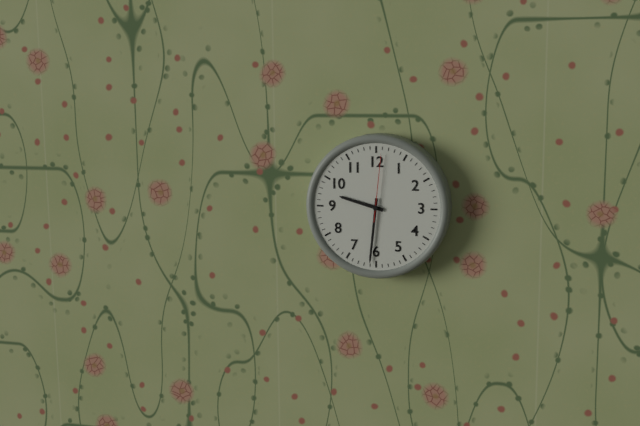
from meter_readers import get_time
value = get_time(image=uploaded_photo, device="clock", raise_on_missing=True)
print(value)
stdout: 9:31:01
